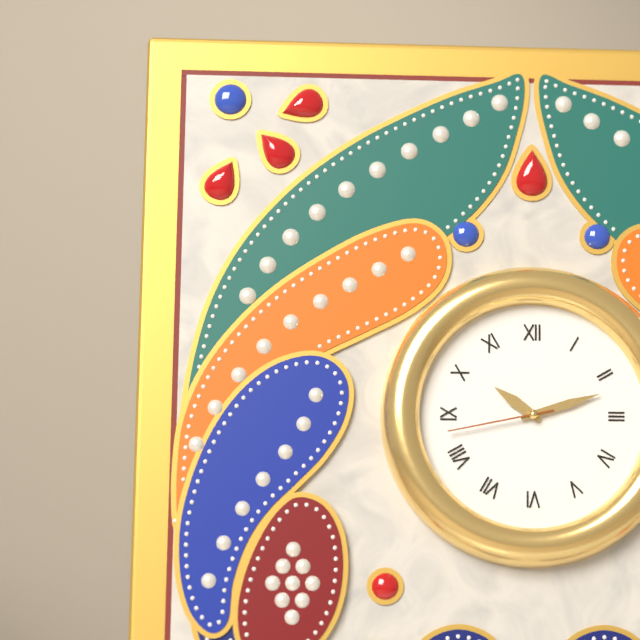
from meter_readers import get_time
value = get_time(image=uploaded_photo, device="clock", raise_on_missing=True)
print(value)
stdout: 10:12:43
